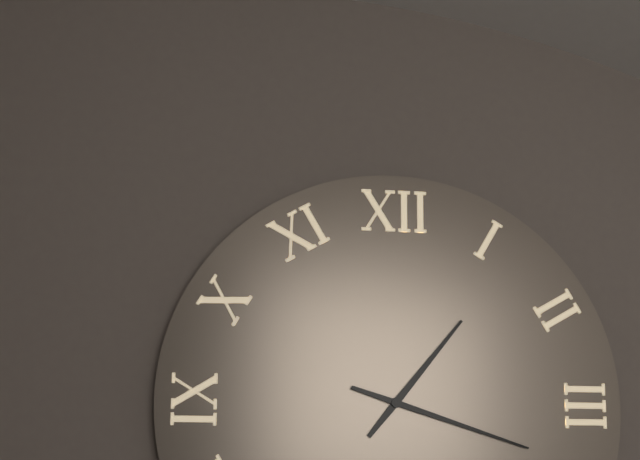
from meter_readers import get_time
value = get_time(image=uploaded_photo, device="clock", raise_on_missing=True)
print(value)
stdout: 1:18
